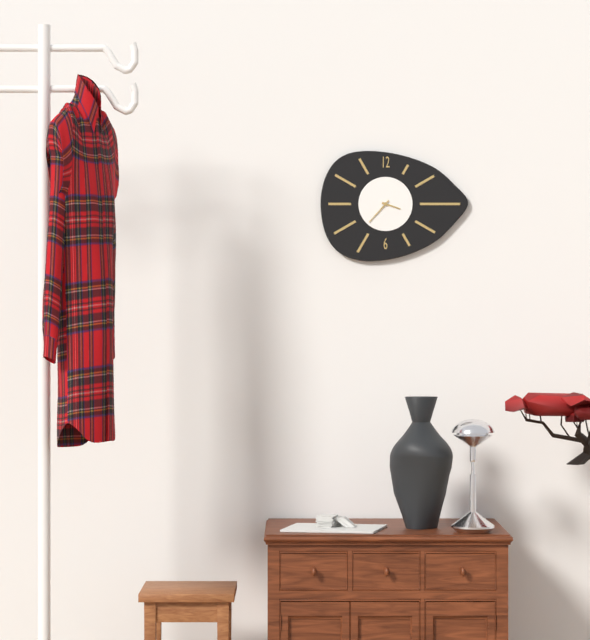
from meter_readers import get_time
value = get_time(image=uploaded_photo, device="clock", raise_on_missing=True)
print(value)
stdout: 3:37
